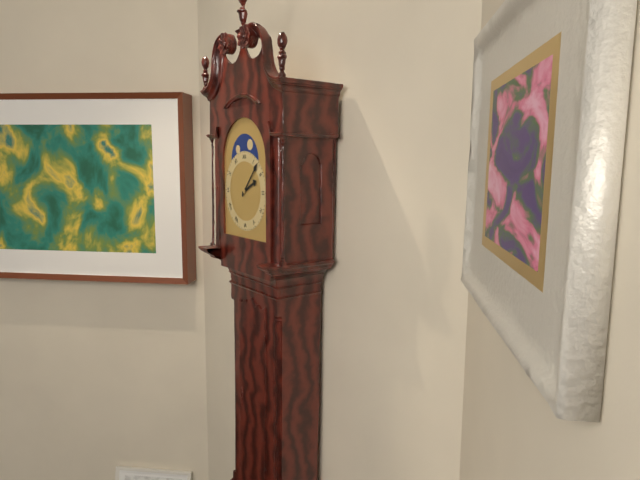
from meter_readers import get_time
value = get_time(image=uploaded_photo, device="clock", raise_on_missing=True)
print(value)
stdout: 2:07
